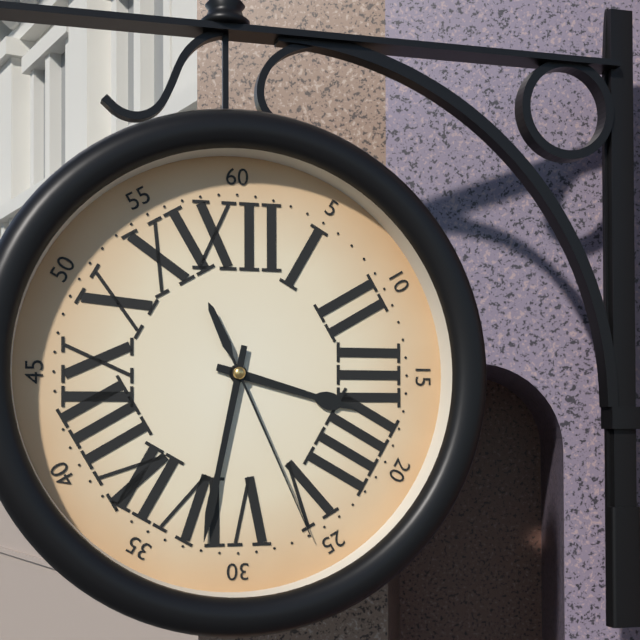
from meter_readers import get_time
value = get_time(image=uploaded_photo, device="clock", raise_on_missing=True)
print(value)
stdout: 3:32:26
